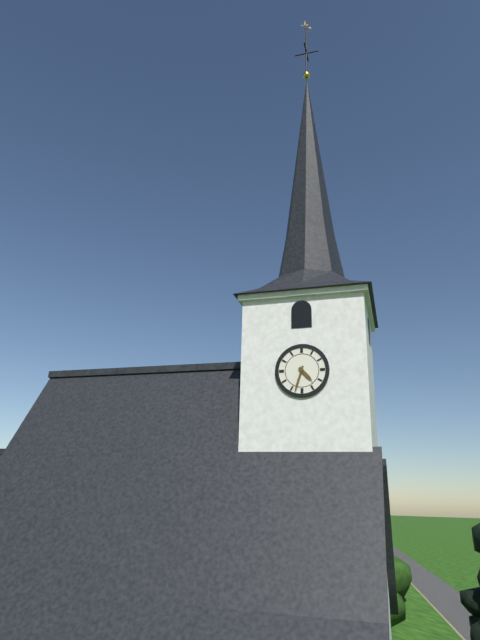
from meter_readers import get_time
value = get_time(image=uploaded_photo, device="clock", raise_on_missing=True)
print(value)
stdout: 4:33
